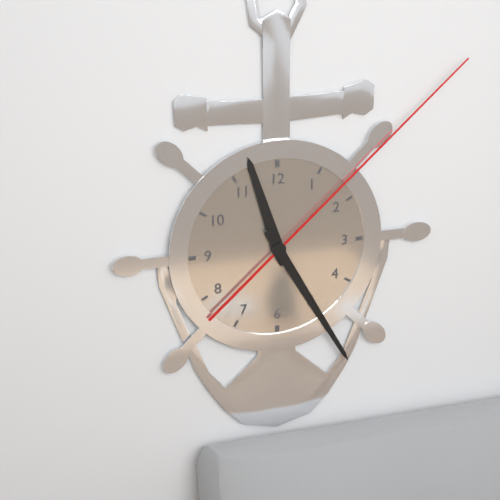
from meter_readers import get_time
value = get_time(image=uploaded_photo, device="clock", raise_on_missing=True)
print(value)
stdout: 11:25:08
